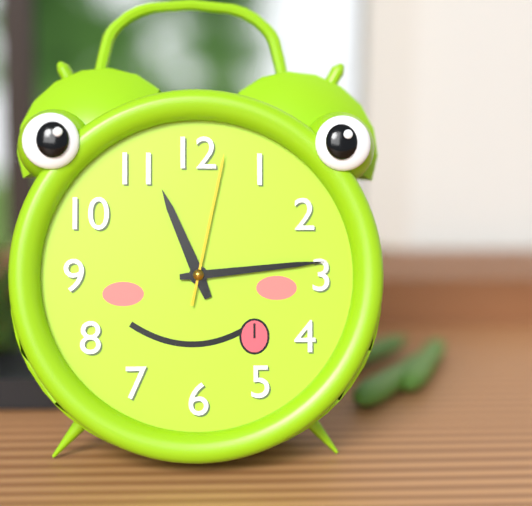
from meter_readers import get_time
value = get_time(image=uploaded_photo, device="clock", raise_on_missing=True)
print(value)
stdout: 11:14:02
